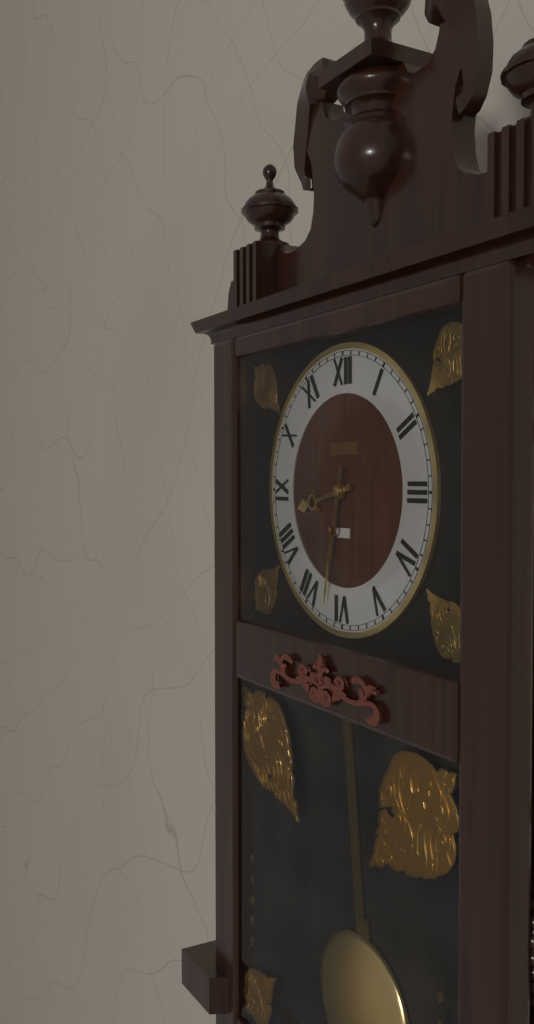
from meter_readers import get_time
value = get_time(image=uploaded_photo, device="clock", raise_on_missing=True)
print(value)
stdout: 8:32
